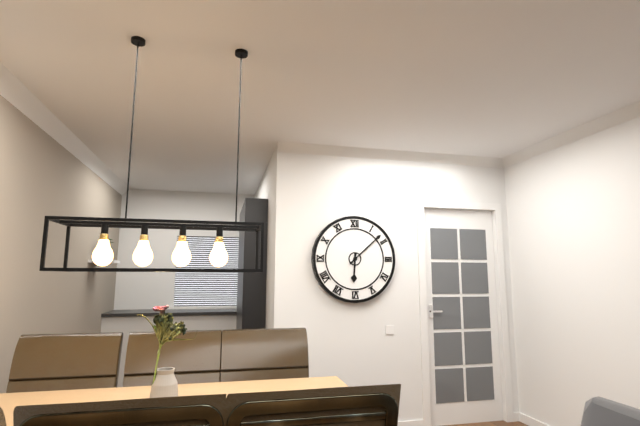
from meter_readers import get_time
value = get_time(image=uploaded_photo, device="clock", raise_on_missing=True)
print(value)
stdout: 6:08
